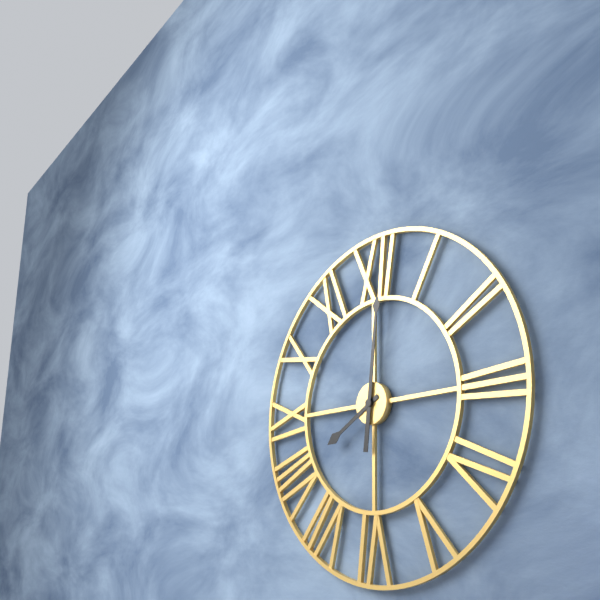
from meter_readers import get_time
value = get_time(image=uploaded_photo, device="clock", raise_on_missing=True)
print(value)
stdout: 8:01
